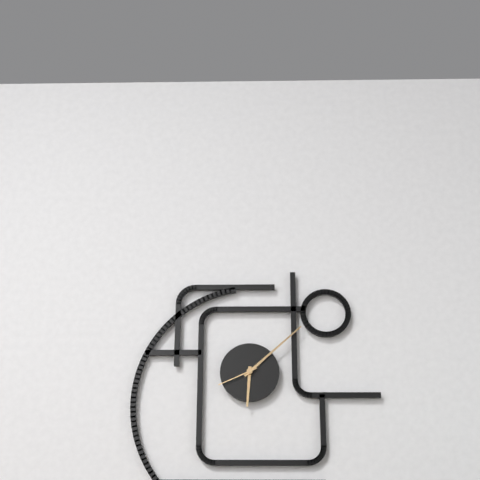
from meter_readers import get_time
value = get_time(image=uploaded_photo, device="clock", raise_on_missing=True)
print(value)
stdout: 6:08
